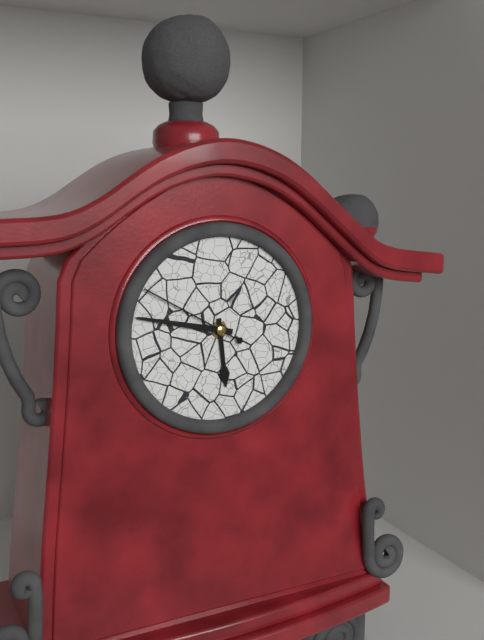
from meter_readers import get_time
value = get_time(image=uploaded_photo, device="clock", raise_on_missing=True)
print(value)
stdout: 5:47:50
